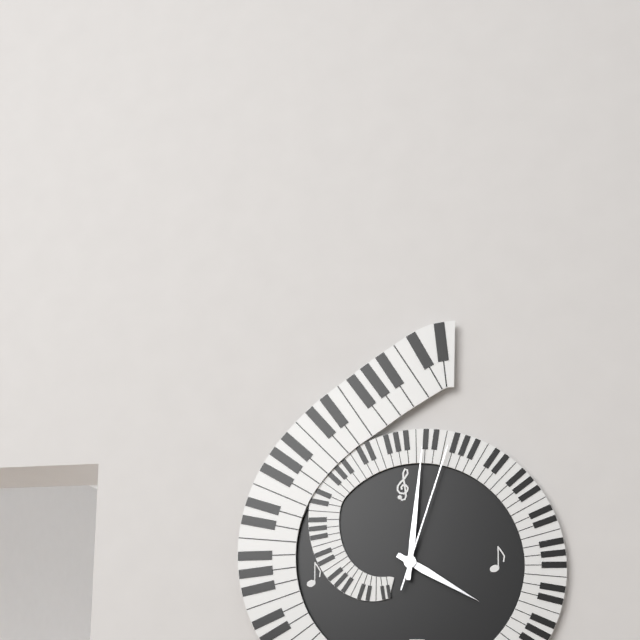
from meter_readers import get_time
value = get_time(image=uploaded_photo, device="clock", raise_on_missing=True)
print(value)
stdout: 4:01:03
